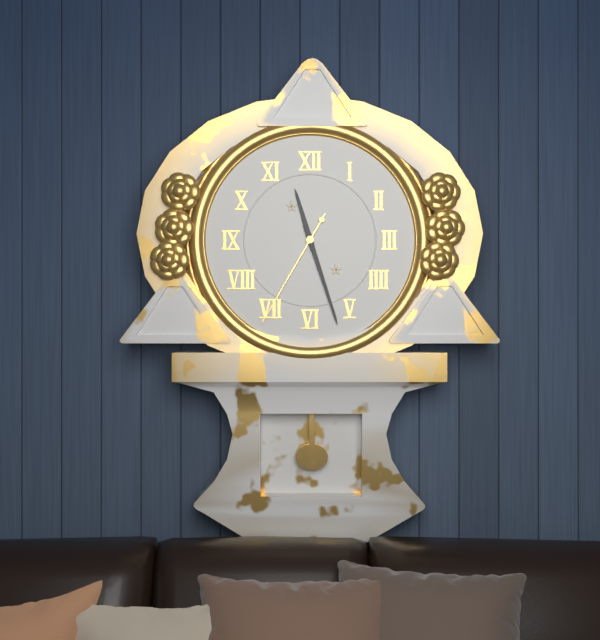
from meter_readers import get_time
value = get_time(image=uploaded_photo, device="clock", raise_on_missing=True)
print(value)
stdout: 11:27:35
